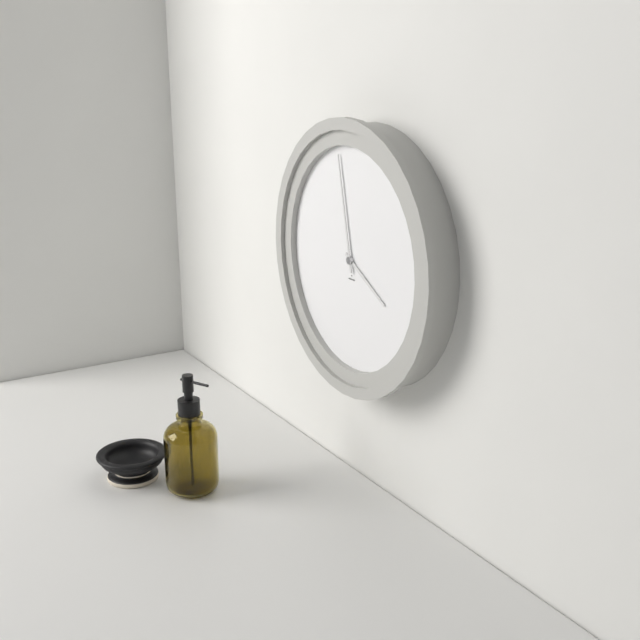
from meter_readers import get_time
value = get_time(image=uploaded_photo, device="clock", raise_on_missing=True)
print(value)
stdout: 3:58
